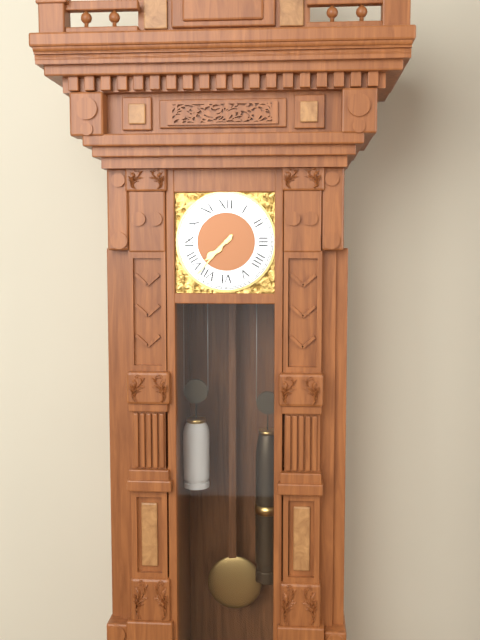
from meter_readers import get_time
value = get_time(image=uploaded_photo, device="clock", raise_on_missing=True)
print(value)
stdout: 7:37
